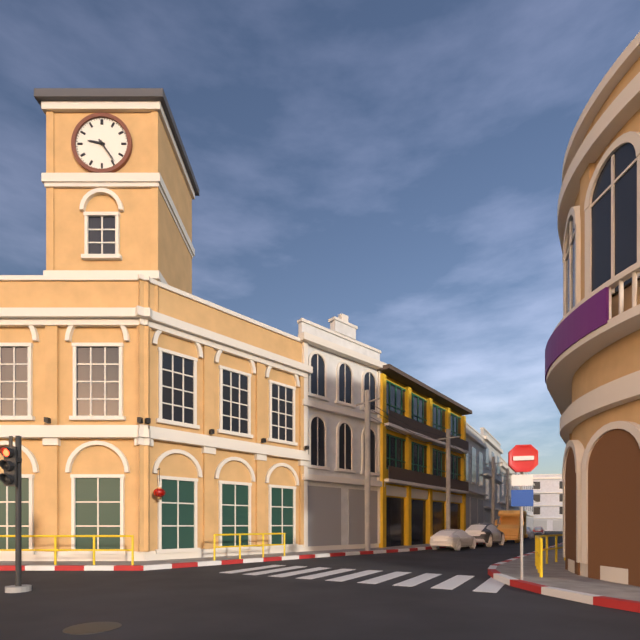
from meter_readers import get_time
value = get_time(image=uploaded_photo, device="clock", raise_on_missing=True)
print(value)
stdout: 9:24
